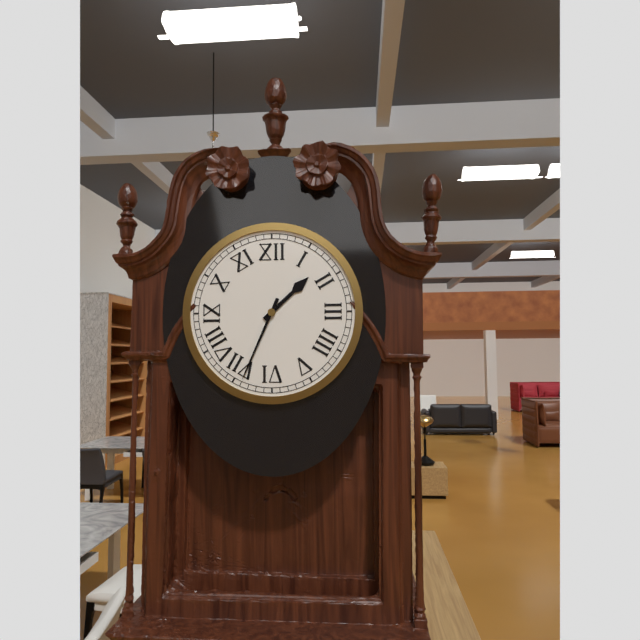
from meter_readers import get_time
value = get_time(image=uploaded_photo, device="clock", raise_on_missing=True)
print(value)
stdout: 1:34
